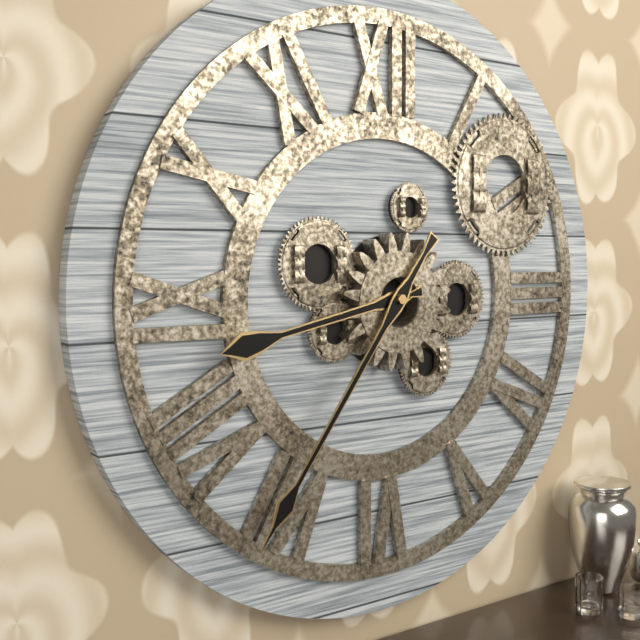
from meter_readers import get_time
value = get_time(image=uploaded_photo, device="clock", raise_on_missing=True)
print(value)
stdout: 8:36
